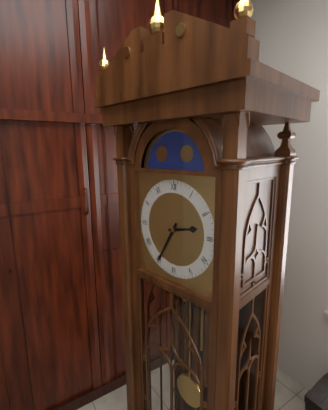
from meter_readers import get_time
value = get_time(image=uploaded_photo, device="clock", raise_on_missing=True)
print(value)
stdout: 2:35
